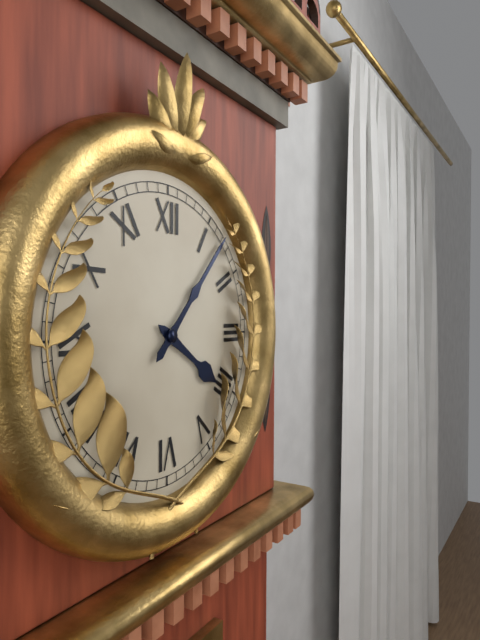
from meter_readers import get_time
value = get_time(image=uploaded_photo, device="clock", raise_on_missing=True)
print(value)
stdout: 4:07
